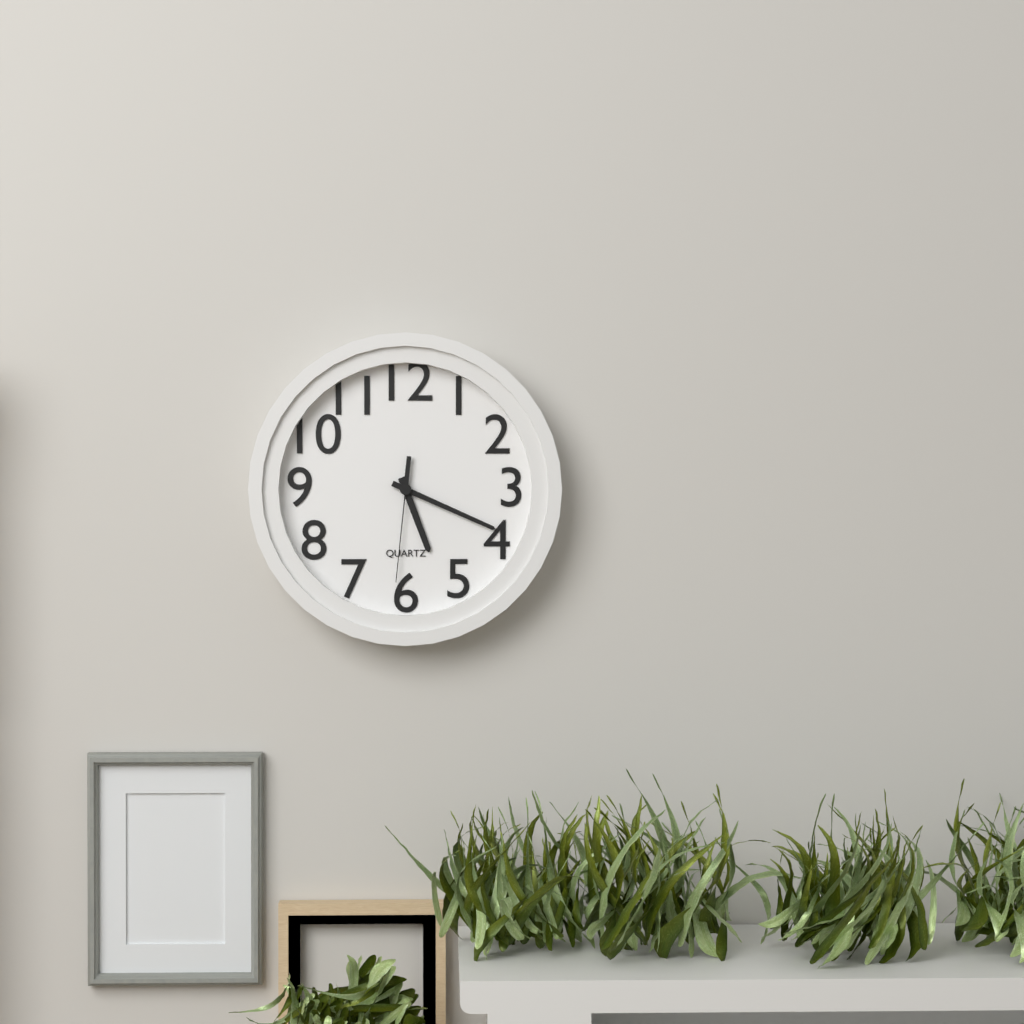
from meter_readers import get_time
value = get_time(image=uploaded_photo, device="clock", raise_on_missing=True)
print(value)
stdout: 5:19:31
